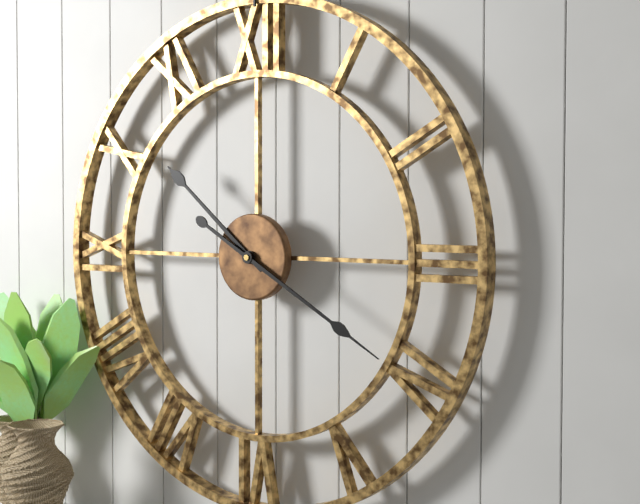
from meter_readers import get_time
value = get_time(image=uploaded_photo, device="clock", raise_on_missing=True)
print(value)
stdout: 10:20
